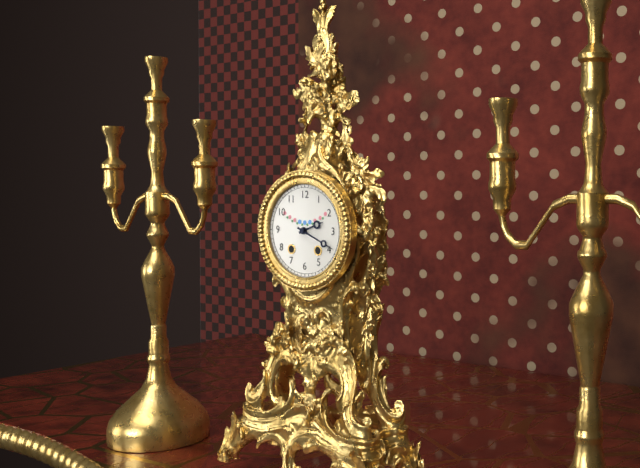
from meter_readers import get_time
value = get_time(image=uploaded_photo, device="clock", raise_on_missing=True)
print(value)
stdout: 2:19
